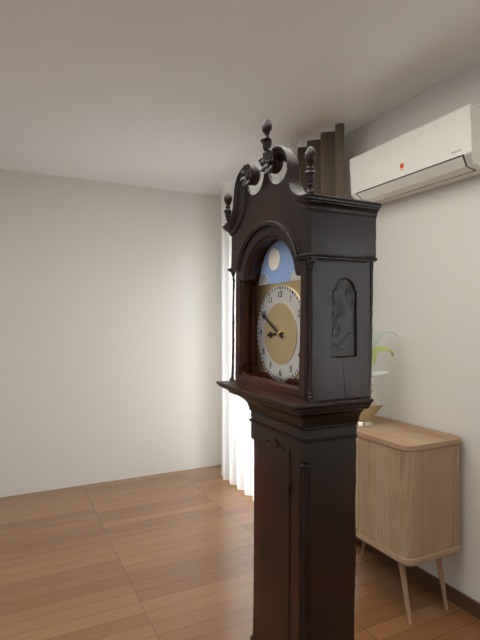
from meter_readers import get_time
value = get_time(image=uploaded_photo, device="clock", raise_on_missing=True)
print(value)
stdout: 8:50
